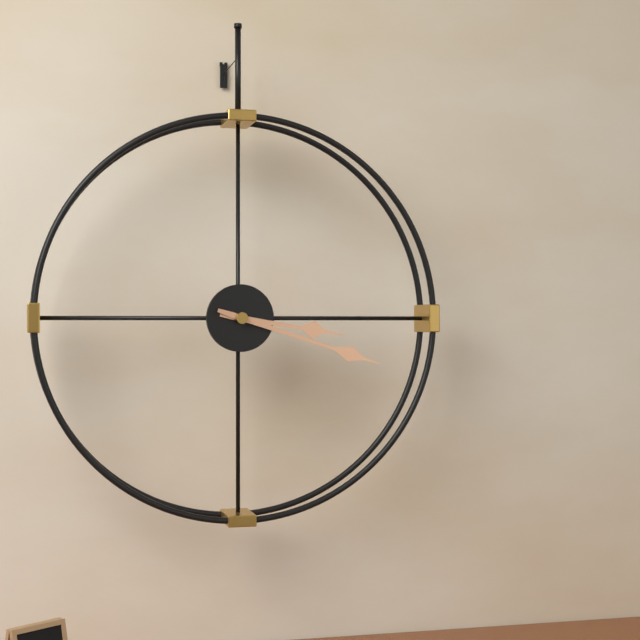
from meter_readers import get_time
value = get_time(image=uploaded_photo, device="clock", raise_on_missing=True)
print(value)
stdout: 3:18
